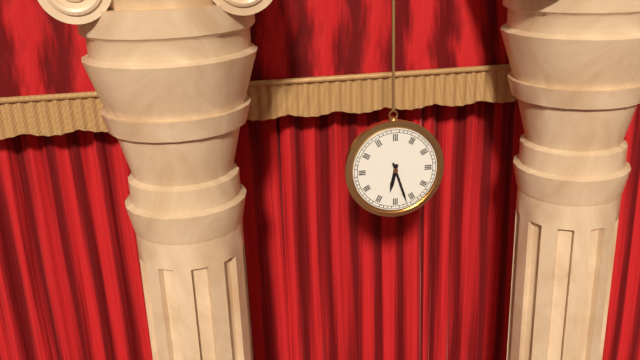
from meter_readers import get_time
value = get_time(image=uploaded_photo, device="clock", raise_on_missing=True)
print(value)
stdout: 6:27
